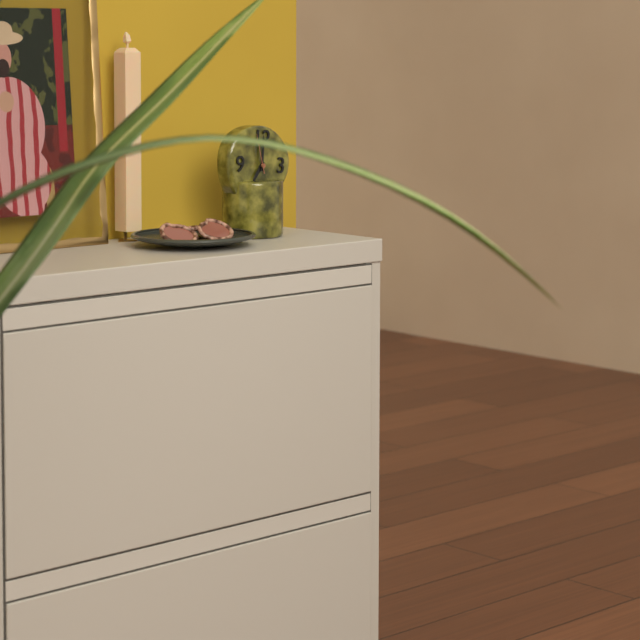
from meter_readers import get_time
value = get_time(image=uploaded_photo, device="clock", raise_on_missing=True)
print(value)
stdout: 7:00
